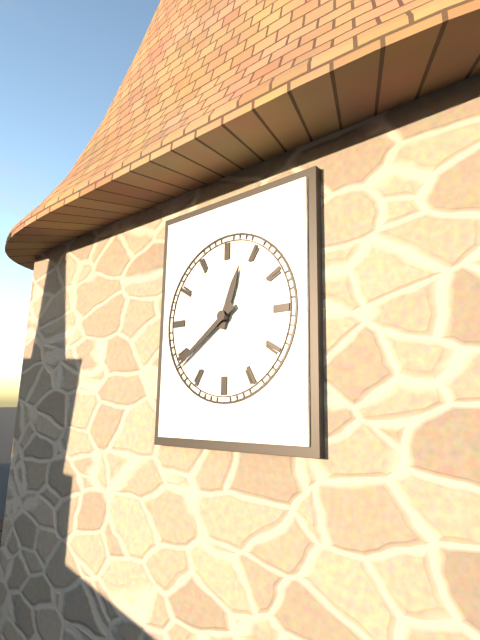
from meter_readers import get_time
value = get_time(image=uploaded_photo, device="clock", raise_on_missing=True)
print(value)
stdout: 12:39
